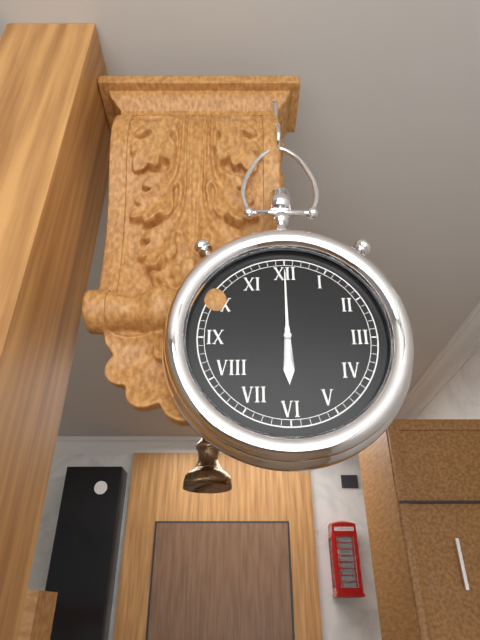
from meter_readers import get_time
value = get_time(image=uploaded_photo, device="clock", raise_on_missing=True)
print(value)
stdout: 6:00
